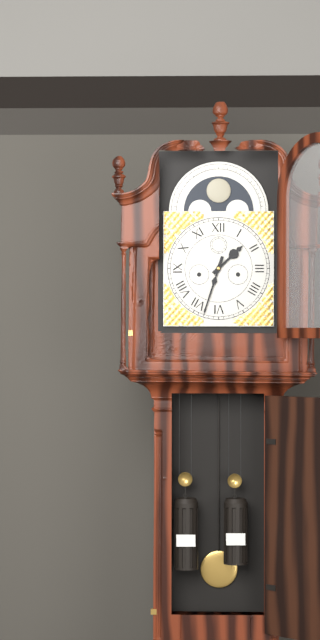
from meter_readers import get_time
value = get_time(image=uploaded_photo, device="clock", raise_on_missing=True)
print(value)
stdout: 1:33
